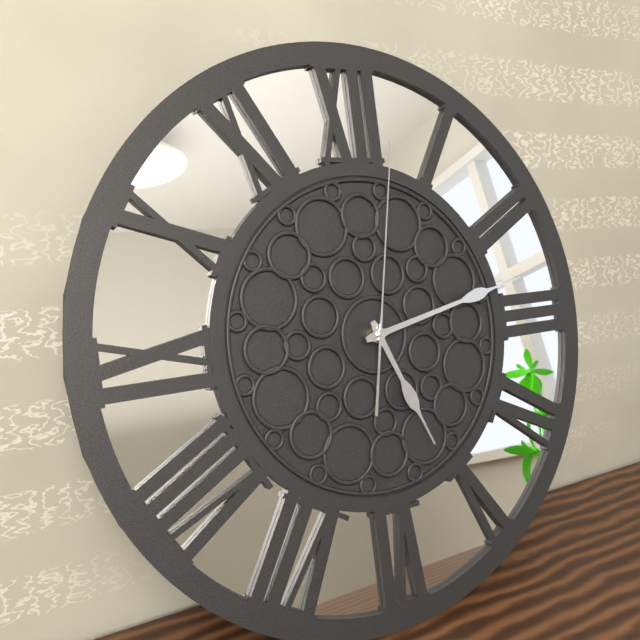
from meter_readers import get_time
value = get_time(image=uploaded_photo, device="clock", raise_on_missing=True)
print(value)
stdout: 5:13:02
